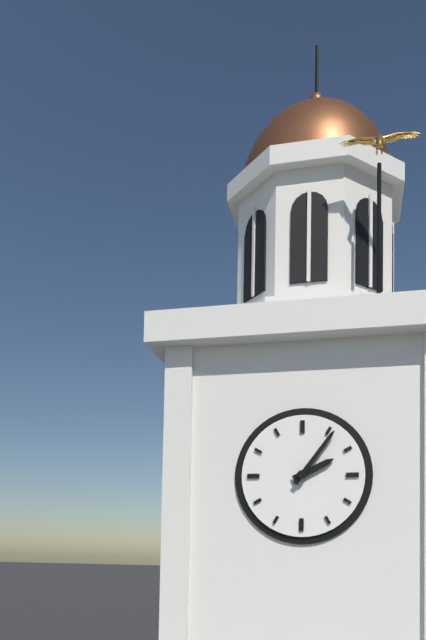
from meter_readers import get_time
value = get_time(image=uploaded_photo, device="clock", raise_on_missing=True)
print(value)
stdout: 2:06
